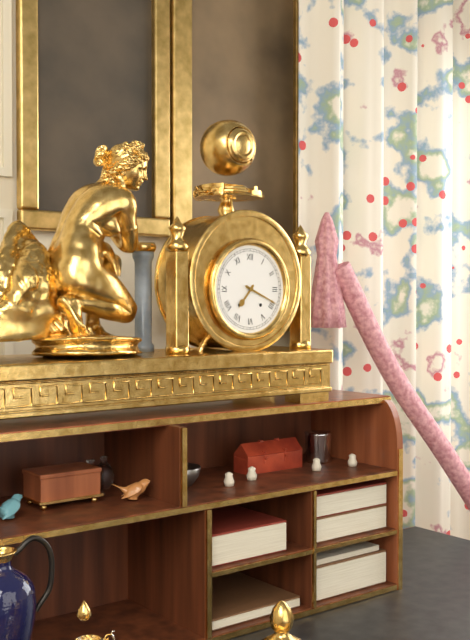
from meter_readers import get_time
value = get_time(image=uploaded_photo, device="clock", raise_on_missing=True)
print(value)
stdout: 7:19
